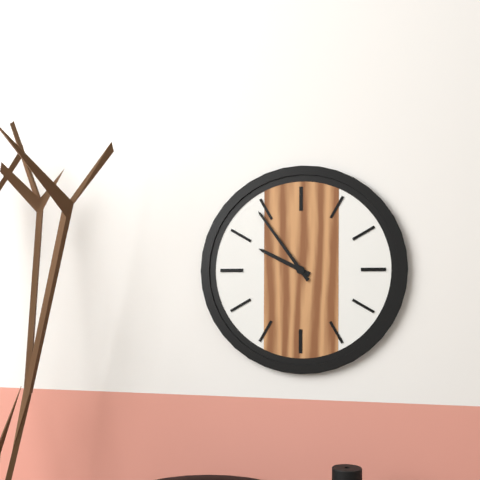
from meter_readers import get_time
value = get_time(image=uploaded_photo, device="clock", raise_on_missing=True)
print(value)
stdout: 9:54
